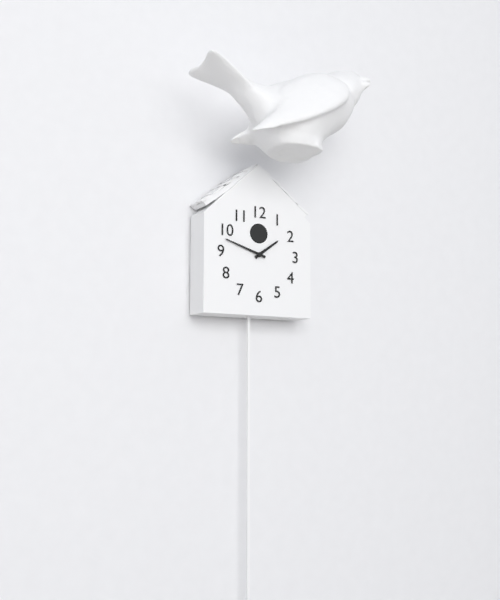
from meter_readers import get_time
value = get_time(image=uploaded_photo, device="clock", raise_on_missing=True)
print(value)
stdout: 1:48
